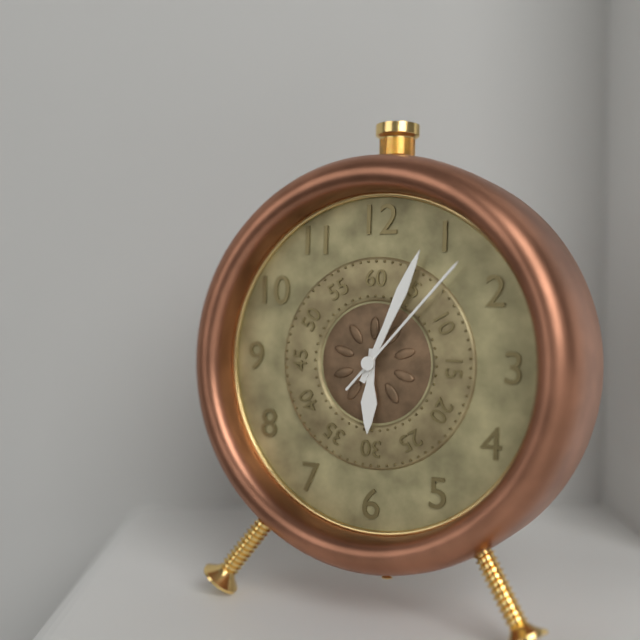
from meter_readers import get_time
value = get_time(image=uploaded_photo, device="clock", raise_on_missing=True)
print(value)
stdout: 6:04:07
